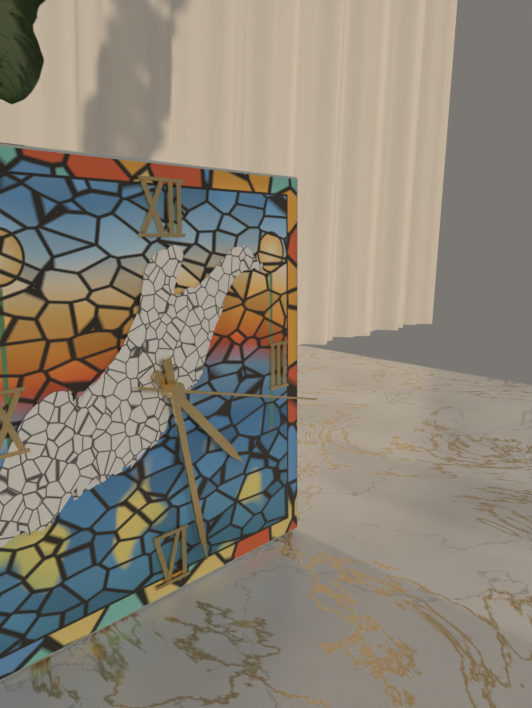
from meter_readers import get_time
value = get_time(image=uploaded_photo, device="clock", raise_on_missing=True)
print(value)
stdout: 4:28:17
